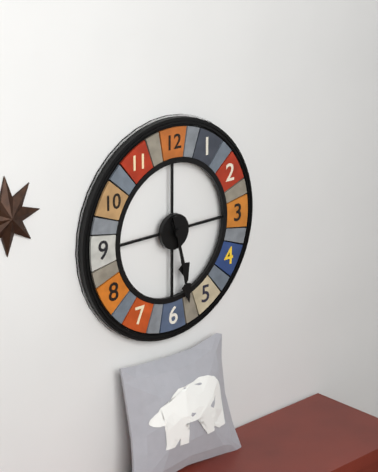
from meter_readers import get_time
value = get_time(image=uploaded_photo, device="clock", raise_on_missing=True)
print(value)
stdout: 5:28
